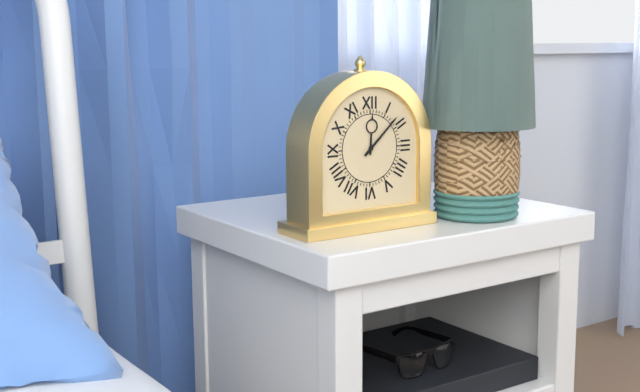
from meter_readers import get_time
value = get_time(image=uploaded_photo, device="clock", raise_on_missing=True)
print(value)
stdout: 12:08
